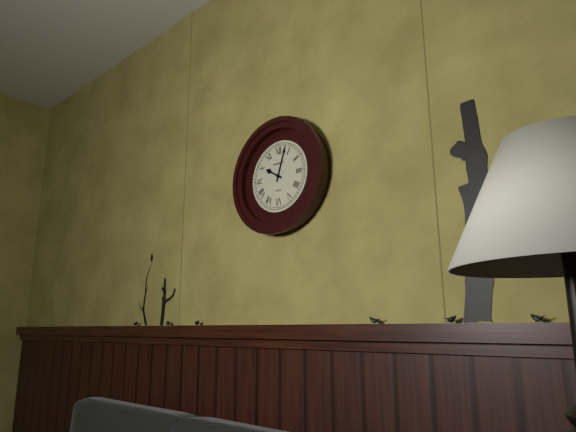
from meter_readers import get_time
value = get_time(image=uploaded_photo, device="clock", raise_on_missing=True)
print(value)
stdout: 10:03
